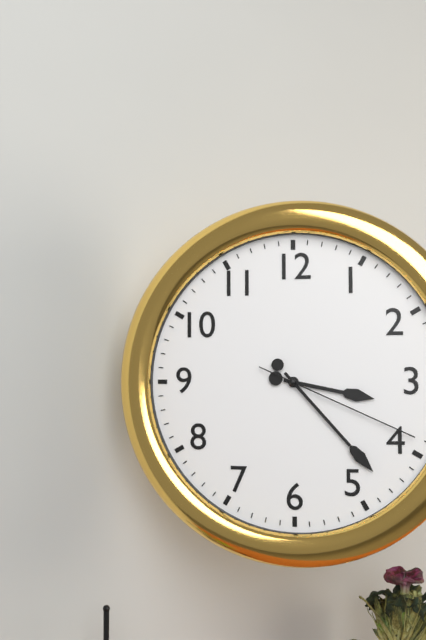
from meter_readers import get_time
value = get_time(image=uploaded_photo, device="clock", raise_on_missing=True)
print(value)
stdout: 3:23:19
